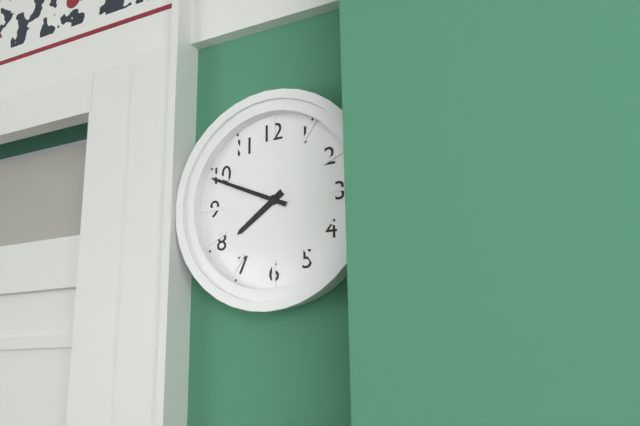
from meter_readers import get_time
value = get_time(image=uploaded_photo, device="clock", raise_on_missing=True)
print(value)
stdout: 7:49
